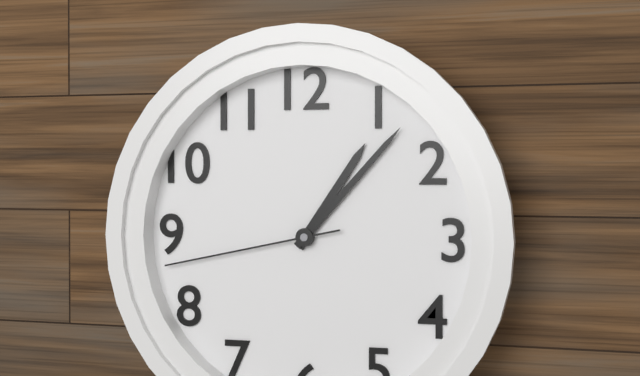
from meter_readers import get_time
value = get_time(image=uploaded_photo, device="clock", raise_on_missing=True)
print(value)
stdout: 1:07:43
